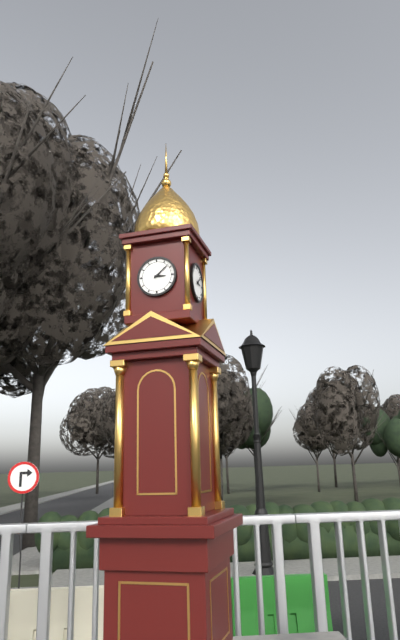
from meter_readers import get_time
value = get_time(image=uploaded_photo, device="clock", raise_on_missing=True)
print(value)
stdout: 3:08
